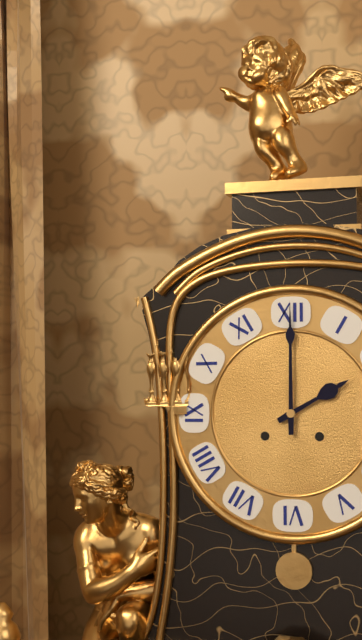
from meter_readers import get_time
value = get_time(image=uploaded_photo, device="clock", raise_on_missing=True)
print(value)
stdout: 2:00
